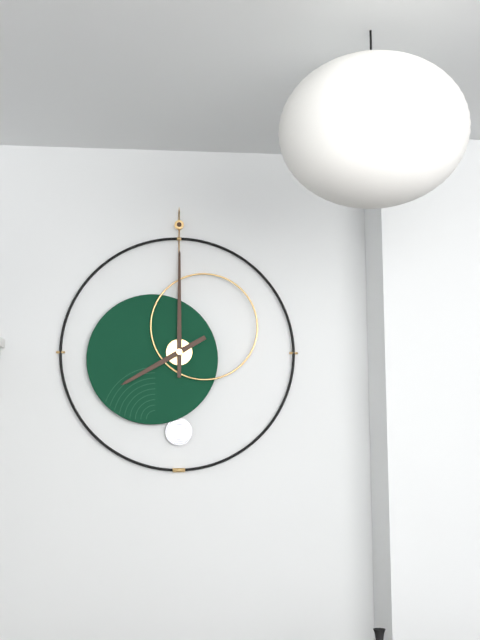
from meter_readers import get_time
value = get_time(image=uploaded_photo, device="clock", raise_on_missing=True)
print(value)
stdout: 8:00
